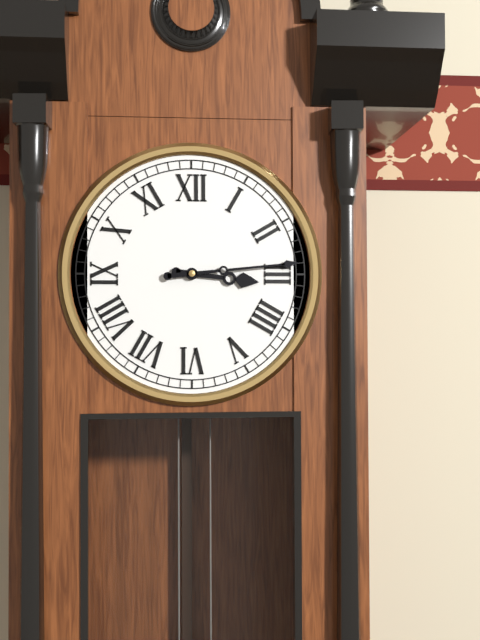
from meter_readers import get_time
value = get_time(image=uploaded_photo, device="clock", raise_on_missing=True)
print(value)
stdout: 3:14
